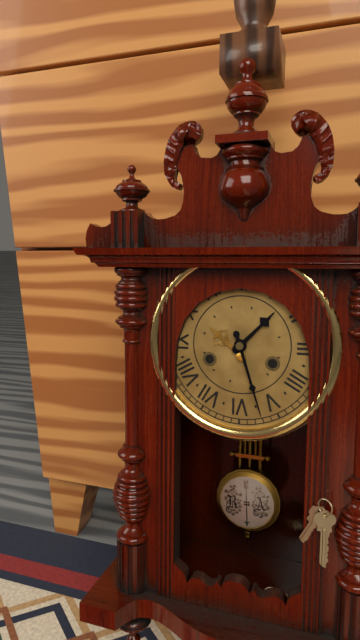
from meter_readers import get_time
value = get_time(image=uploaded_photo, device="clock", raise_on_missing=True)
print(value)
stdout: 1:27
